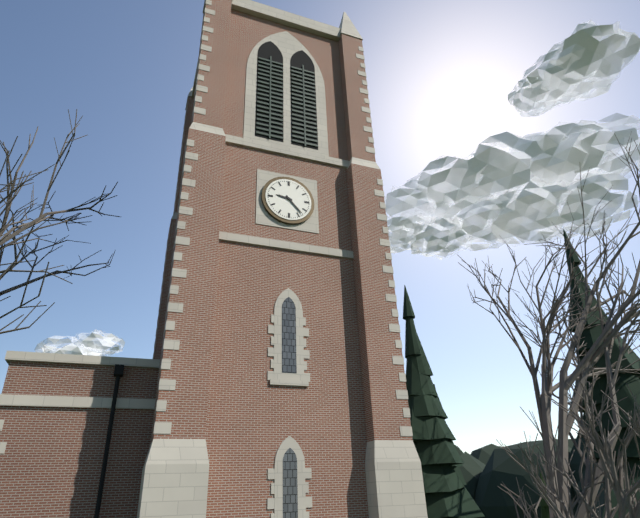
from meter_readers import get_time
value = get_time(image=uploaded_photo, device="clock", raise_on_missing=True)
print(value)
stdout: 9:23
